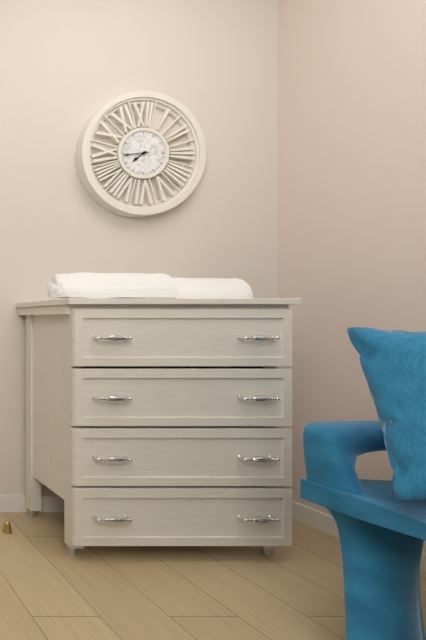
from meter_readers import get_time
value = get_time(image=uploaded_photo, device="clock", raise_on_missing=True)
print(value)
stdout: 7:44
